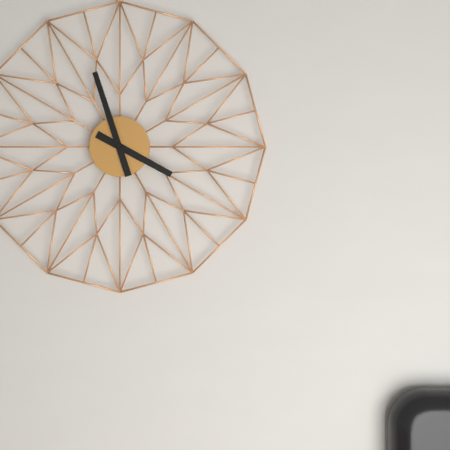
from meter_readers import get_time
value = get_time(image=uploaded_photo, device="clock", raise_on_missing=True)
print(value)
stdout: 3:57
